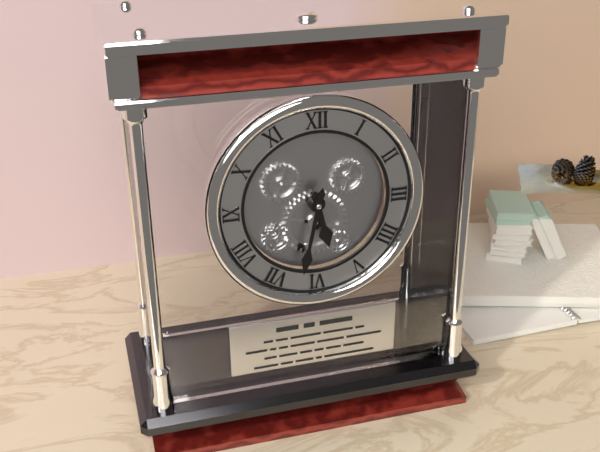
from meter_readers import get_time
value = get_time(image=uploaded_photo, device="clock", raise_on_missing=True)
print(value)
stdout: 5:32
